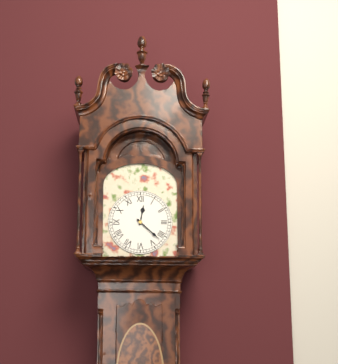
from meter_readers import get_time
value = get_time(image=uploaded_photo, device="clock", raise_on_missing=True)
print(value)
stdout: 12:22
